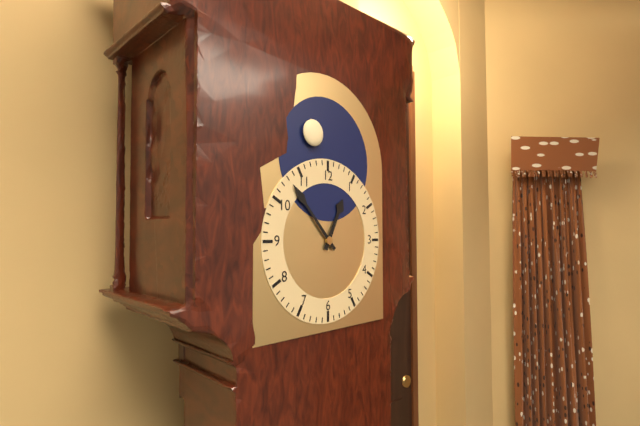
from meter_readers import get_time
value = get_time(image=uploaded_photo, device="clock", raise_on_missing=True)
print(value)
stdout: 12:53
